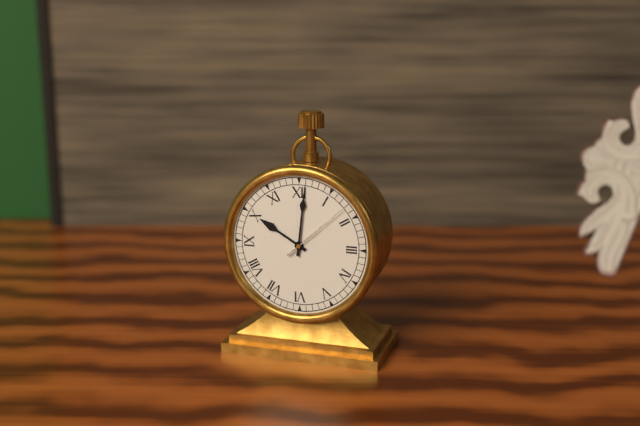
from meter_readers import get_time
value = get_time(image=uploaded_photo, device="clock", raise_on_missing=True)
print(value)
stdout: 10:01:08
